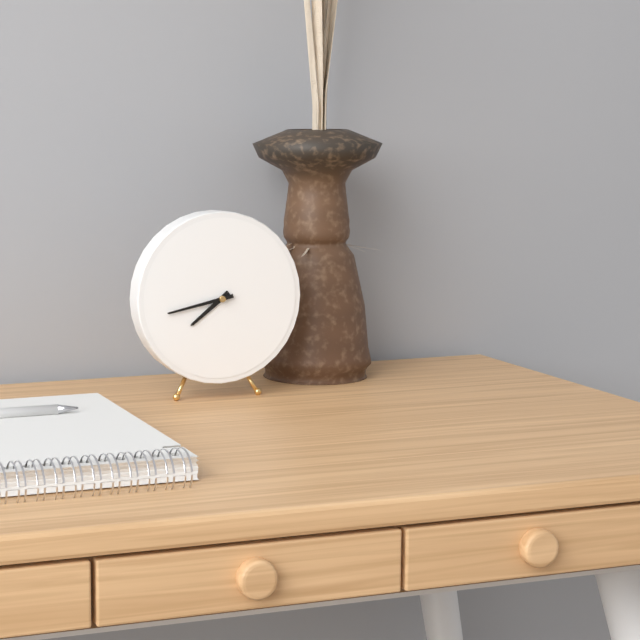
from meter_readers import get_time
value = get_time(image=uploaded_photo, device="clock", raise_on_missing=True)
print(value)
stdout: 7:43
